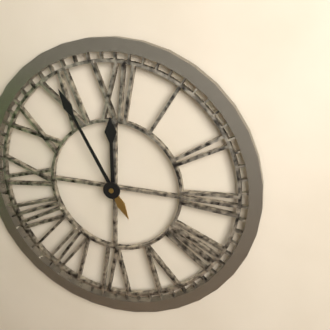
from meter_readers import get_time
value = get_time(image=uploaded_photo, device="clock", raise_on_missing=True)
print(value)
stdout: 11:55
